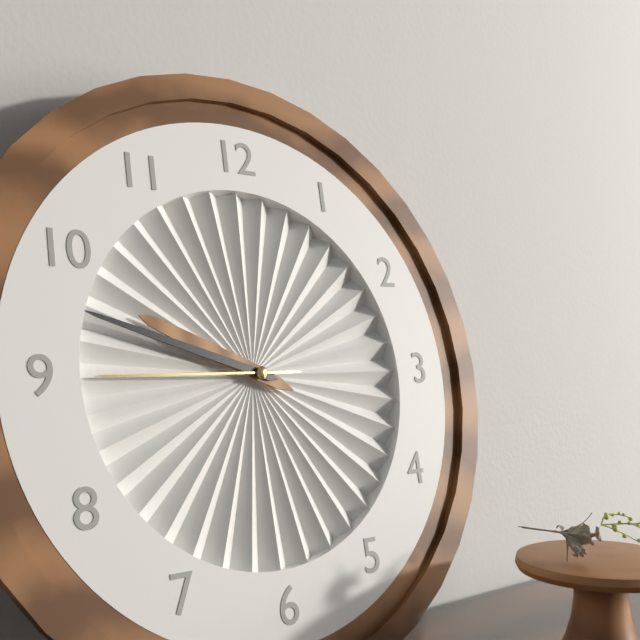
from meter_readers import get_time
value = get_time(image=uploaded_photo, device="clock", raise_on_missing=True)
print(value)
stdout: 9:48:45
